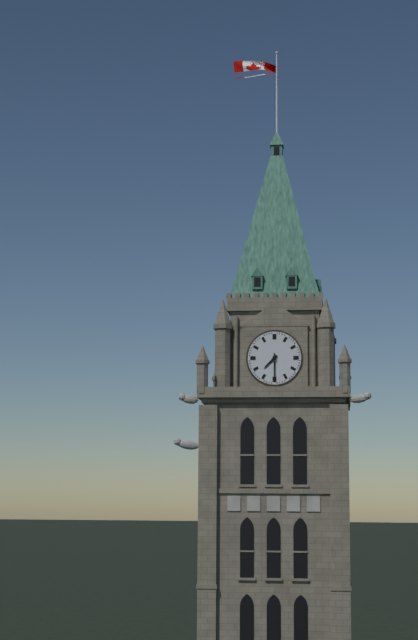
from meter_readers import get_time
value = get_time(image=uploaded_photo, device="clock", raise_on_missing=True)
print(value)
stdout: 7:30
